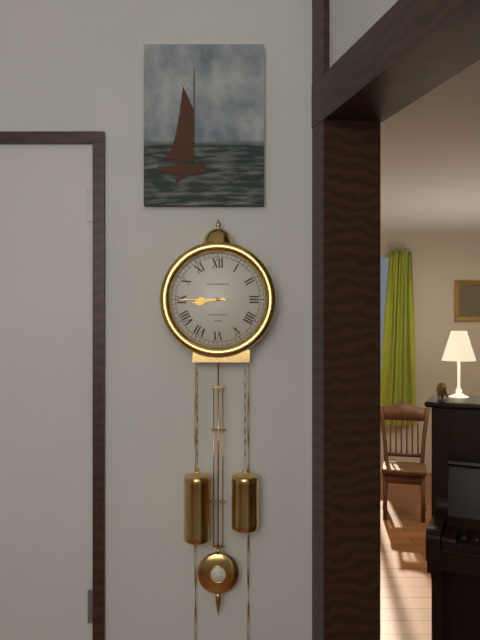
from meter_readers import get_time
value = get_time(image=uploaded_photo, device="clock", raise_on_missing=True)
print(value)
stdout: 8:45
